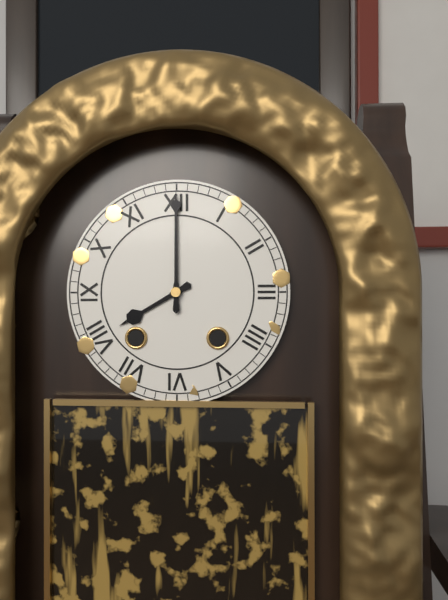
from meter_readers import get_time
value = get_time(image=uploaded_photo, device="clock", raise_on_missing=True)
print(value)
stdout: 8:00
